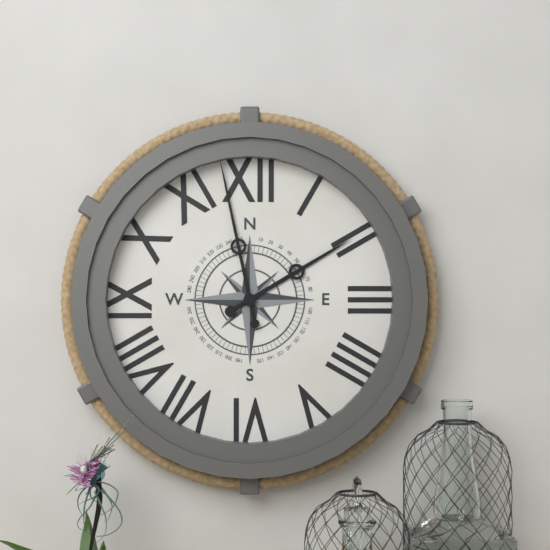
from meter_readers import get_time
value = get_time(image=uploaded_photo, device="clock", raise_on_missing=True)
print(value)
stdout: 1:58
